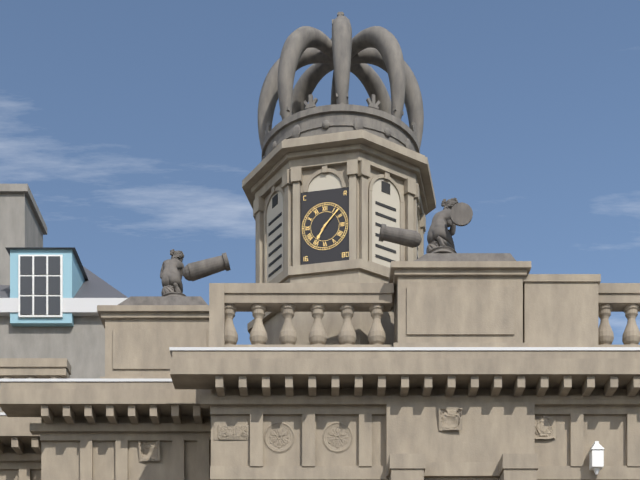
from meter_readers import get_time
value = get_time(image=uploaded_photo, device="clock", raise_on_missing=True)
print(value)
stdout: 7:07
